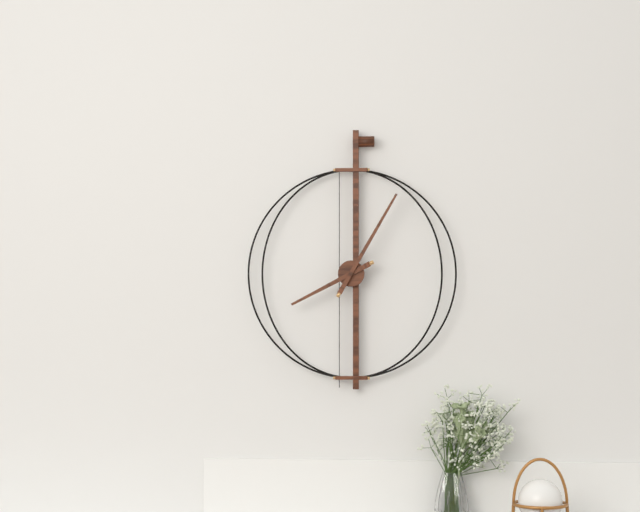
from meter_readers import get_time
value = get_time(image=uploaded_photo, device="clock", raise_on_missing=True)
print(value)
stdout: 8:05
